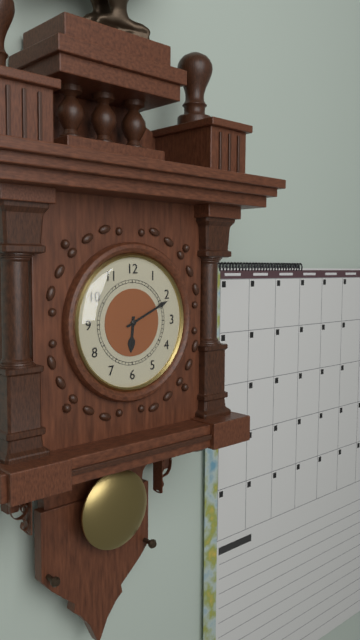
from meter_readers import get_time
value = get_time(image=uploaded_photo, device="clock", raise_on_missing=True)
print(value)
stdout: 6:11
